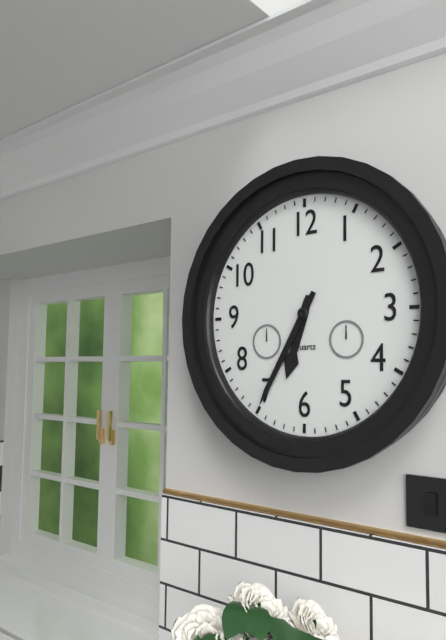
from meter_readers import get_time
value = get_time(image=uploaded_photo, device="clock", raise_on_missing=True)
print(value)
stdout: 6:35
